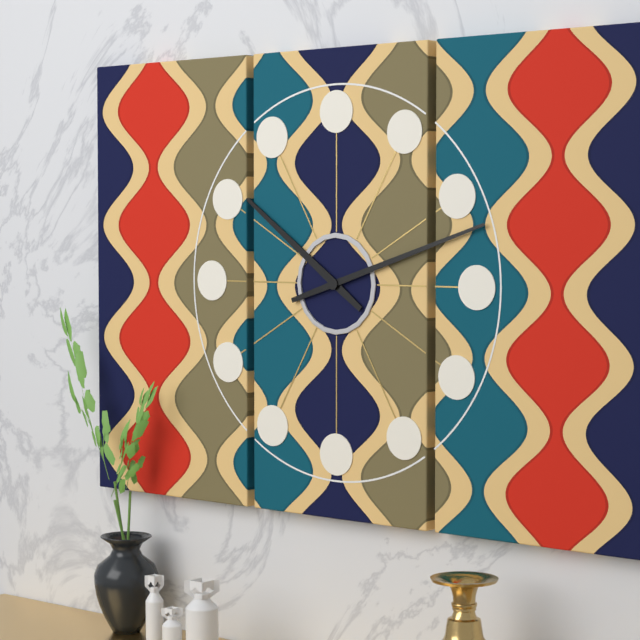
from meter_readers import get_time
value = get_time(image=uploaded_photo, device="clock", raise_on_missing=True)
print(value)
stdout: 10:12
